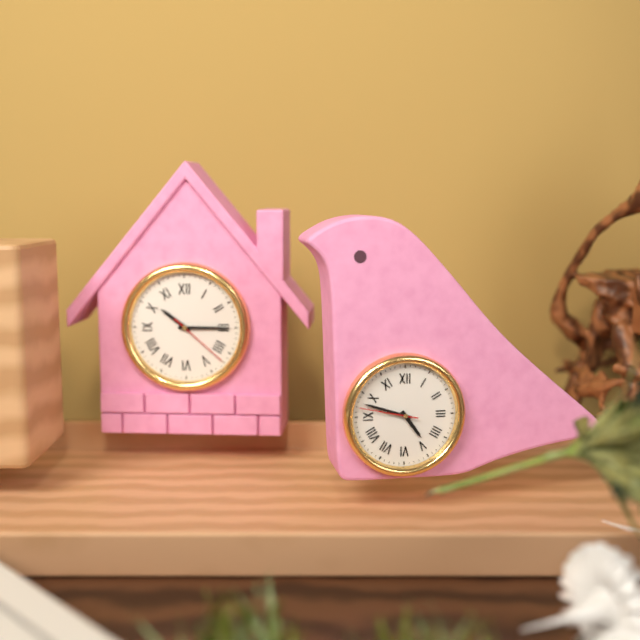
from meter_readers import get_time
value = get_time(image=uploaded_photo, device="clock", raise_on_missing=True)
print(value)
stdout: 4:48:47
